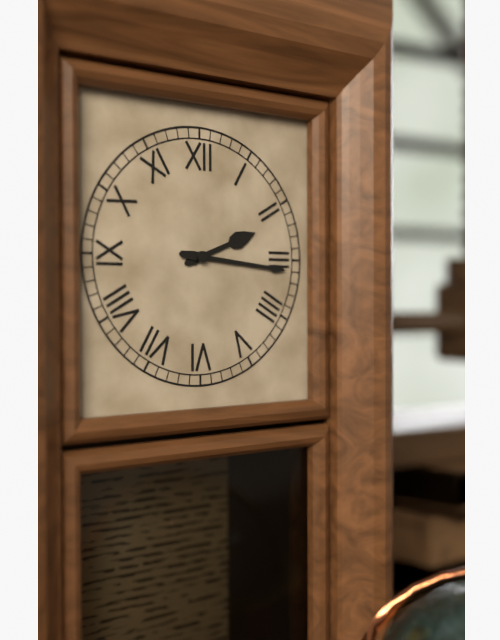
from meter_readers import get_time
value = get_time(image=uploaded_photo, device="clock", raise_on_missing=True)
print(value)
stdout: 2:16
